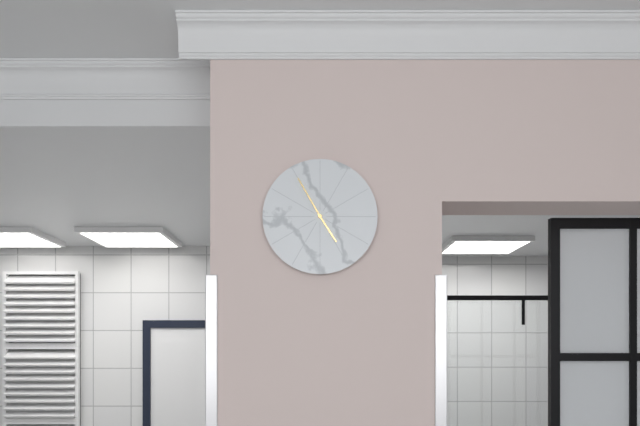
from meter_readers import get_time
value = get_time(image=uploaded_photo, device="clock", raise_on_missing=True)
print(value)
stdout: 4:55
